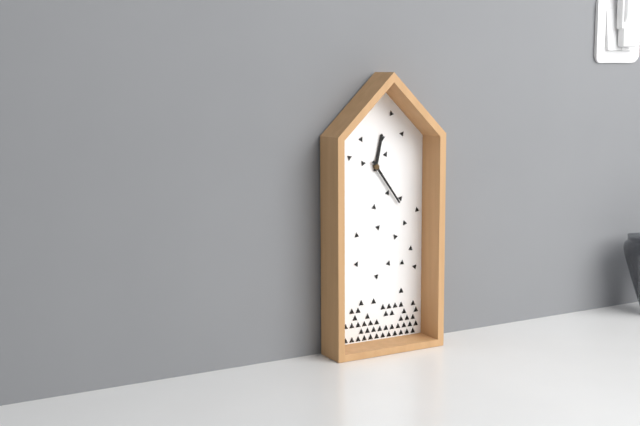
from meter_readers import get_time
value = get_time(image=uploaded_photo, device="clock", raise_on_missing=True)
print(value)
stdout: 12:24
